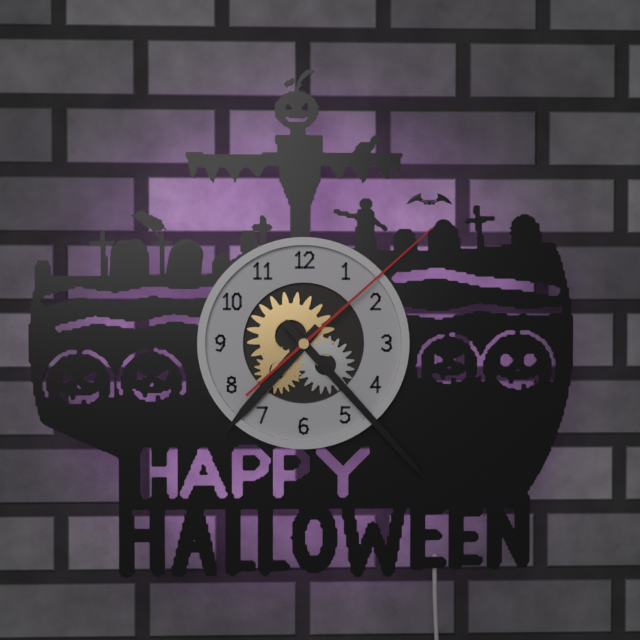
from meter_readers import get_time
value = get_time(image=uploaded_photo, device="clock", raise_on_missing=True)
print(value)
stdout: 7:23:08
